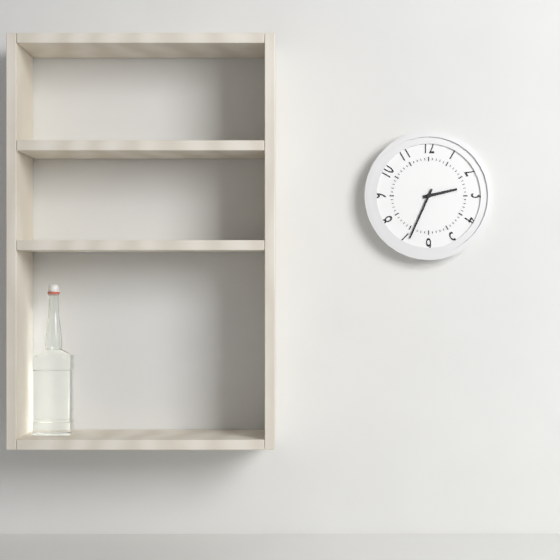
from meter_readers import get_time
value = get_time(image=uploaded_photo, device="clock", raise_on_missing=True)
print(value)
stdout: 2:34
